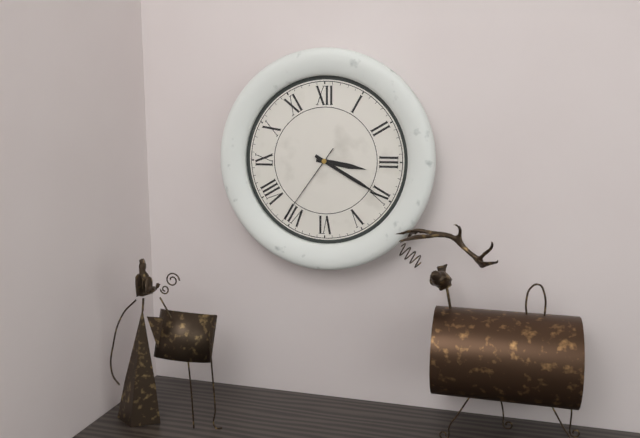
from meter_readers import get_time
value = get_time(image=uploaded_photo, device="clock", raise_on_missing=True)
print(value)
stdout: 3:20:36
